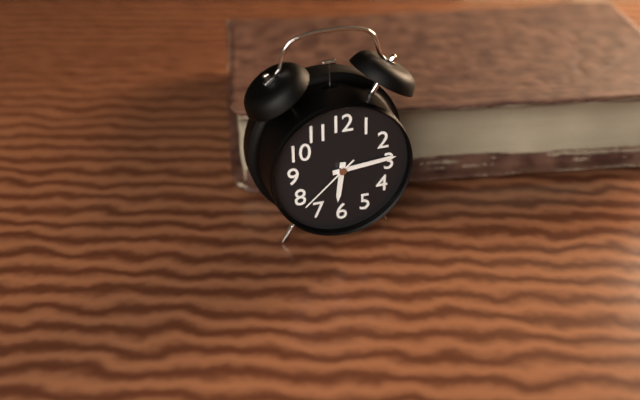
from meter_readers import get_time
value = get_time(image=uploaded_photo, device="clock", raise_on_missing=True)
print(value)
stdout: 6:14:38
